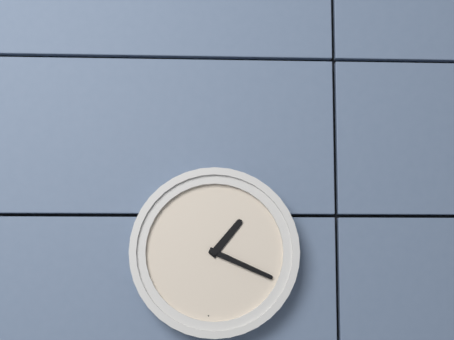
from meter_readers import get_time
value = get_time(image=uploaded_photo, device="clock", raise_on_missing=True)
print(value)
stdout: 1:19
